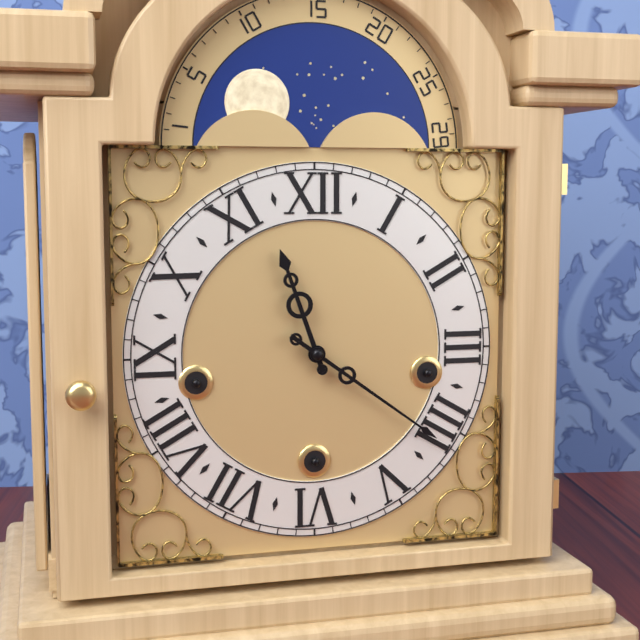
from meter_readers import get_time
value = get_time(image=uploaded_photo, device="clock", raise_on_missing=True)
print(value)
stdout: 11:21
